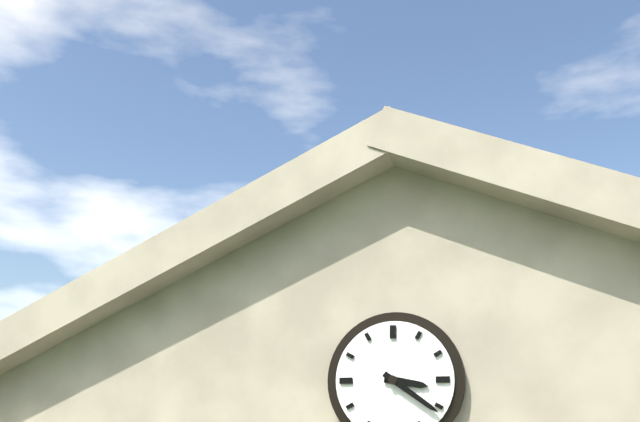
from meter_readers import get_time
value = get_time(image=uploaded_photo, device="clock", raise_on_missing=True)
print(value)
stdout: 3:21
